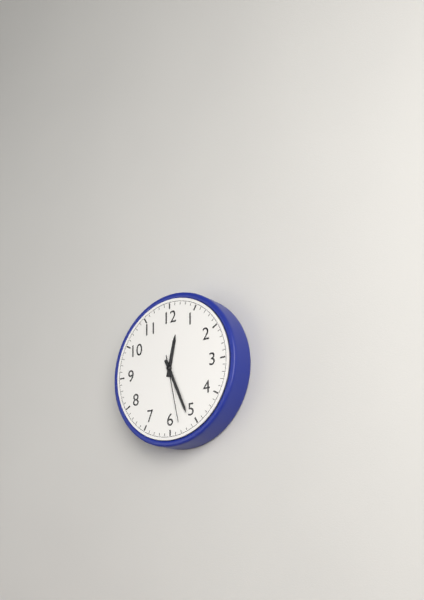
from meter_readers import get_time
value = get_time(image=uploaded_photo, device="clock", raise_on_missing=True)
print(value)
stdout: 12:26:28
